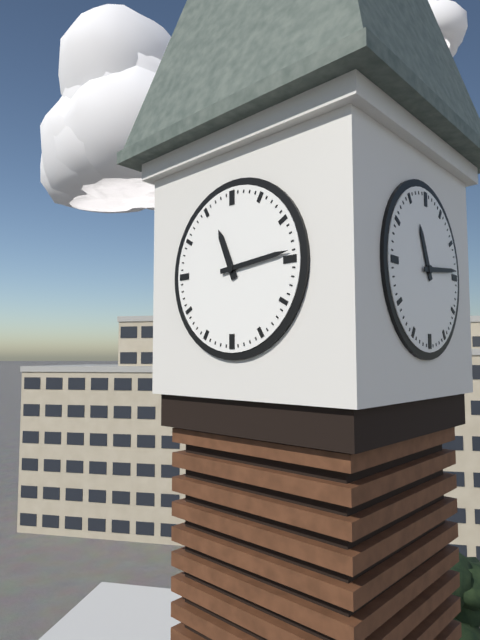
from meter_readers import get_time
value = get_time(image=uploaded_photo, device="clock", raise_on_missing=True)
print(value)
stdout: 11:14
